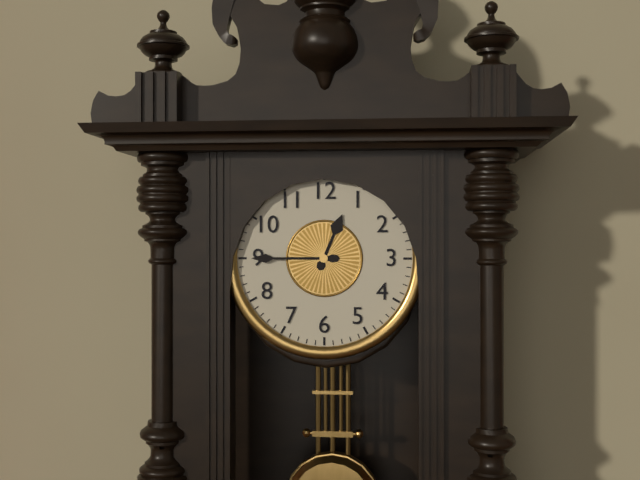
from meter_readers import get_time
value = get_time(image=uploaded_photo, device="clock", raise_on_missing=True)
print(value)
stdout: 12:45
